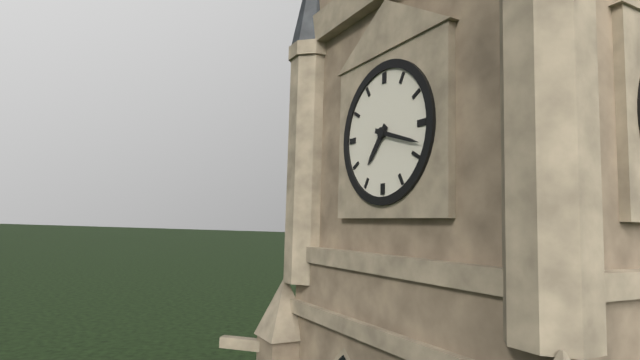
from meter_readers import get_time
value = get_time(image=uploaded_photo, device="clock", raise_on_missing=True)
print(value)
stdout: 7:18
